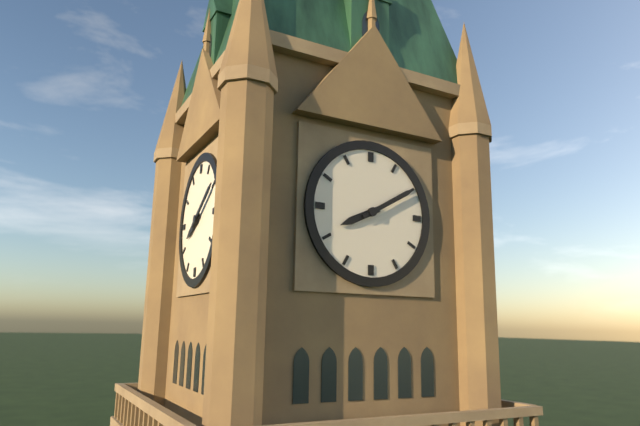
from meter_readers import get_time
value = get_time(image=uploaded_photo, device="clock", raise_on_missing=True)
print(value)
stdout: 8:10
